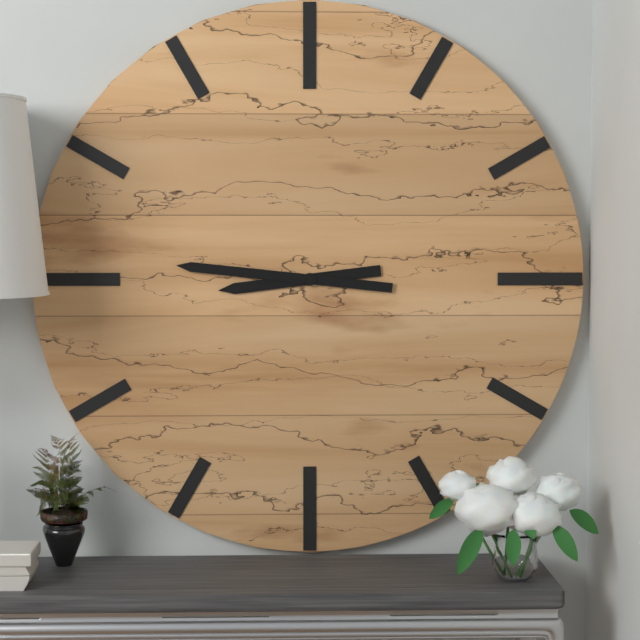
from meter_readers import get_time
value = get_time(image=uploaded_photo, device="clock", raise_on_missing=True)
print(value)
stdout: 8:46
